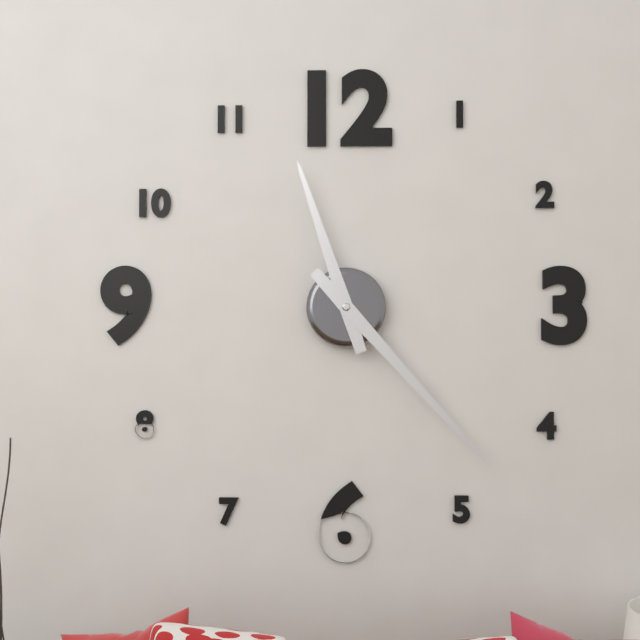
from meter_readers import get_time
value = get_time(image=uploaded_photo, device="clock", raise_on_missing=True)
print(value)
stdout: 11:23
